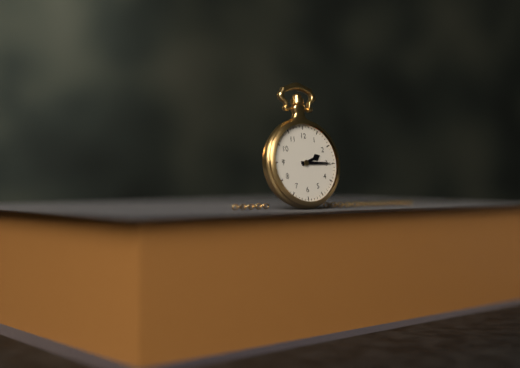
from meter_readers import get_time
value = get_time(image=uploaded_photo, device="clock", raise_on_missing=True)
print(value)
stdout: 2:15
